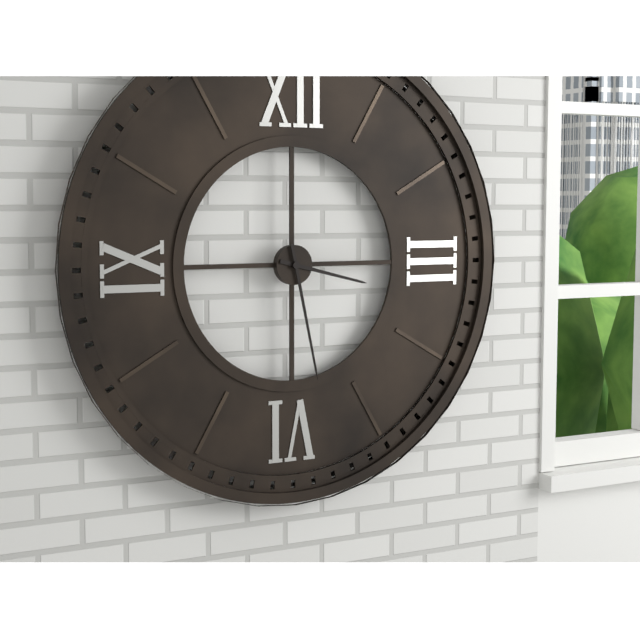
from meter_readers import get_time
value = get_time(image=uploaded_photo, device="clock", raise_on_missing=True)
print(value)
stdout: 3:28
